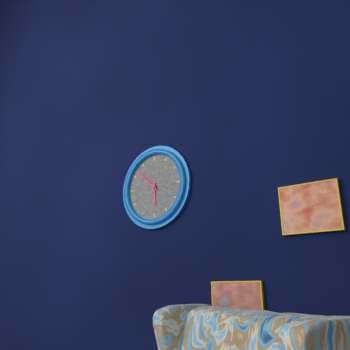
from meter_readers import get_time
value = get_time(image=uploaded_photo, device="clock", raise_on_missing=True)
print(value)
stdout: 5:52
